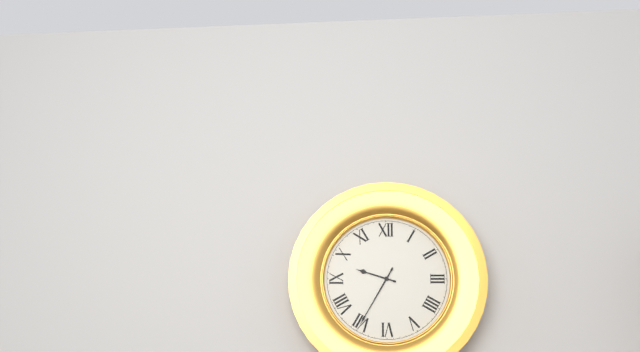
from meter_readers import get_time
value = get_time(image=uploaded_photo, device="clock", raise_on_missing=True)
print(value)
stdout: 9:35
